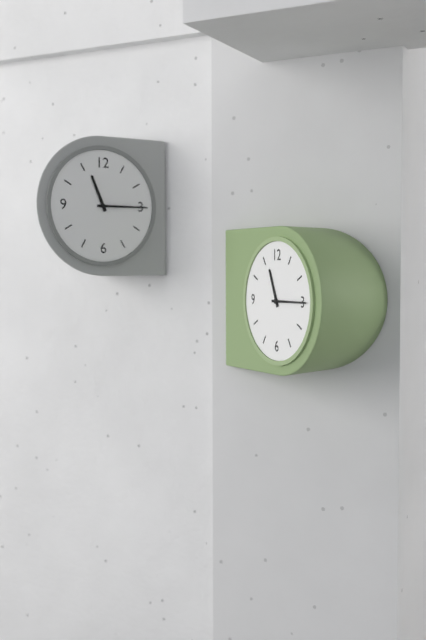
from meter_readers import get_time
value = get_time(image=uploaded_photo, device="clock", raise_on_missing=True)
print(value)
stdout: 11:15
